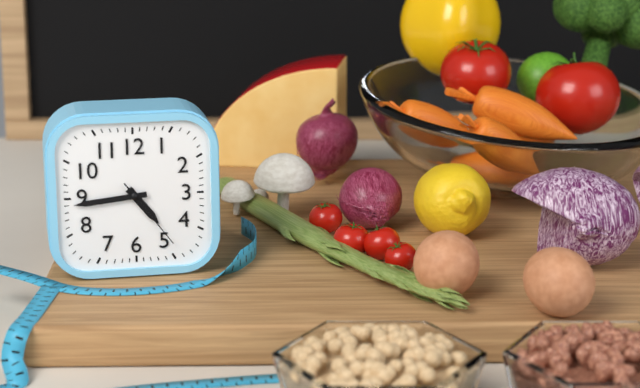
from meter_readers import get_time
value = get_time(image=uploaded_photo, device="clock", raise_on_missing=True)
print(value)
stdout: 4:44:24
